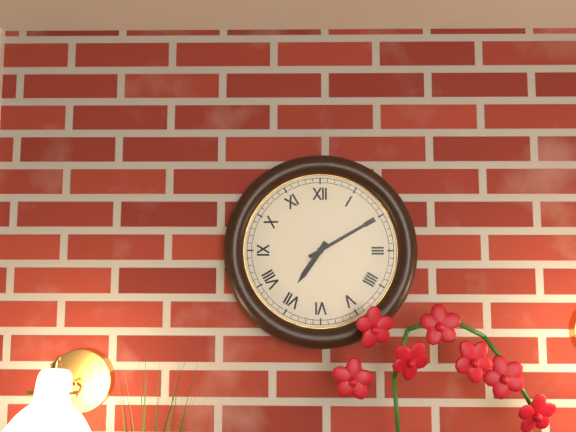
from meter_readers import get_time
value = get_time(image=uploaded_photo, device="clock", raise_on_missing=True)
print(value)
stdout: 7:10
